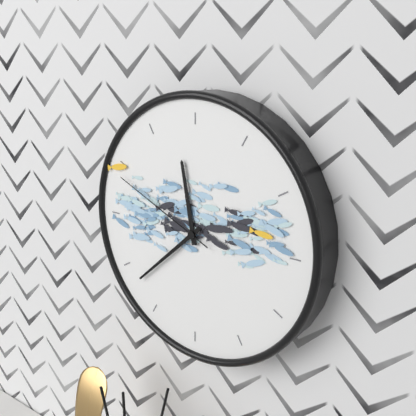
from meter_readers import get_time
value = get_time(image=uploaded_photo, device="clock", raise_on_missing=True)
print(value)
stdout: 11:38:49
